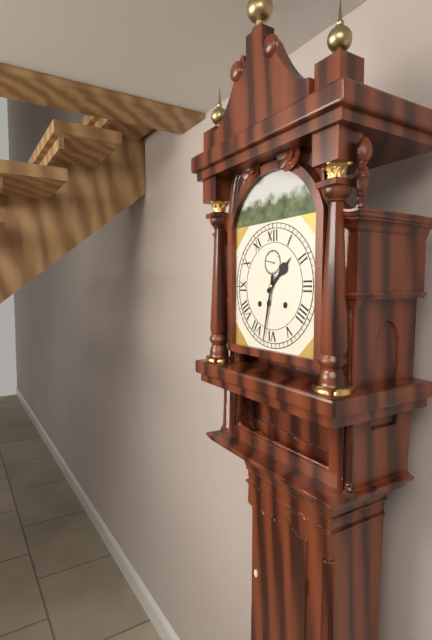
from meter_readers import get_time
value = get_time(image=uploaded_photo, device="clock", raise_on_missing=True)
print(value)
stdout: 1:32
